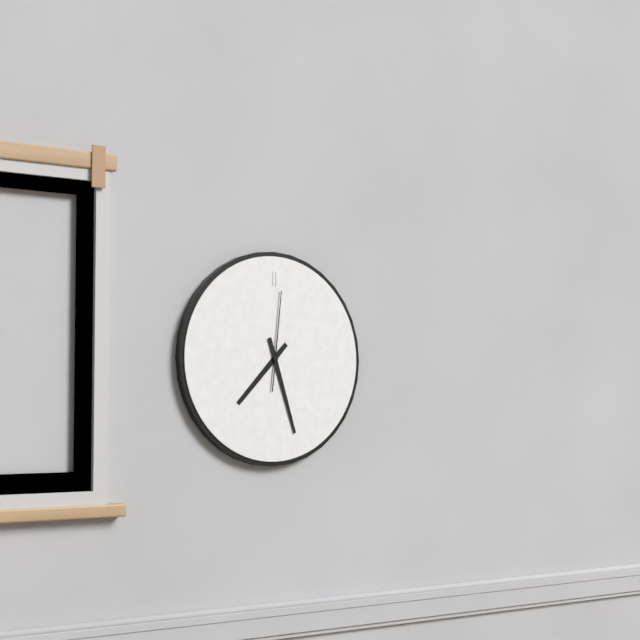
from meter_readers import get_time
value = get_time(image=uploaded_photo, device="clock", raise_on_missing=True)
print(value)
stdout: 7:27:01
